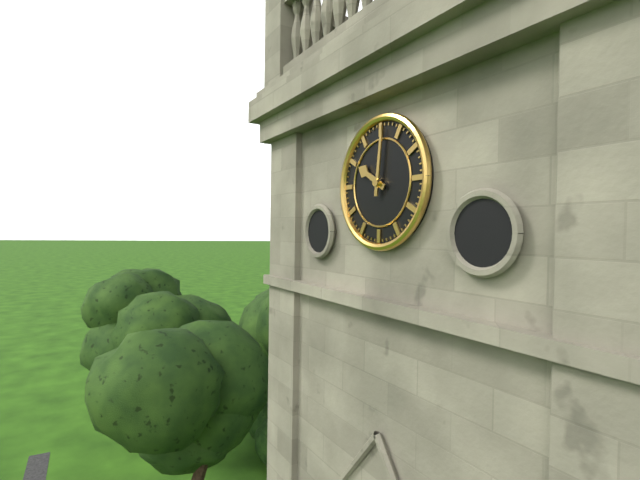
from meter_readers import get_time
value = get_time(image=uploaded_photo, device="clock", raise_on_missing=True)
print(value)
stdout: 10:01
